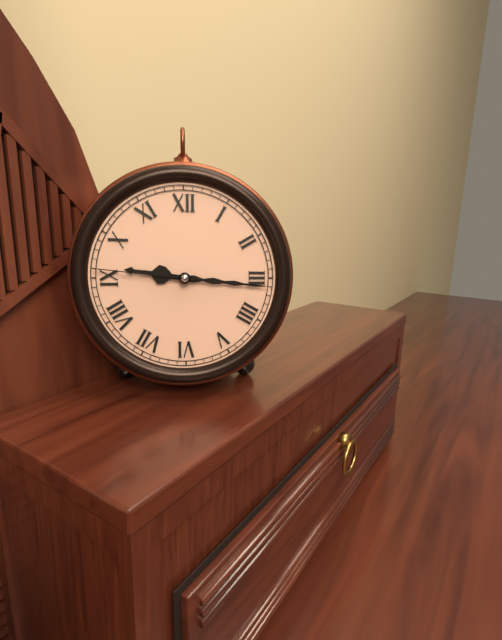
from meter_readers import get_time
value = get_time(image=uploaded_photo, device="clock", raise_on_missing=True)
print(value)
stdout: 9:16:46
